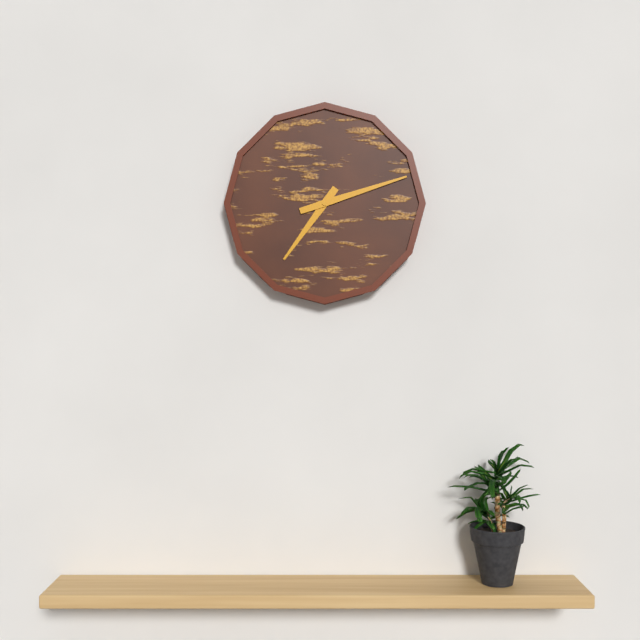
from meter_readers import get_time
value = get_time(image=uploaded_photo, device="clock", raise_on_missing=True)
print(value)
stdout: 7:12
